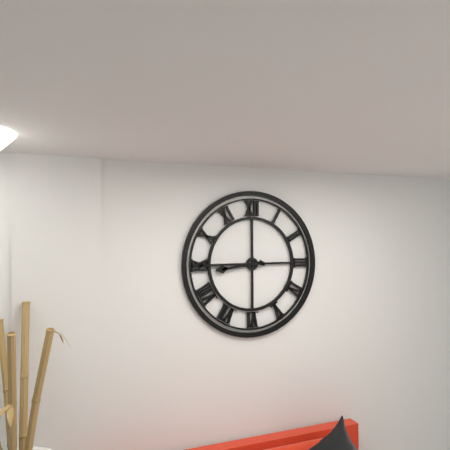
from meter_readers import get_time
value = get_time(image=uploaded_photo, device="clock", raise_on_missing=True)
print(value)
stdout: 8:45
